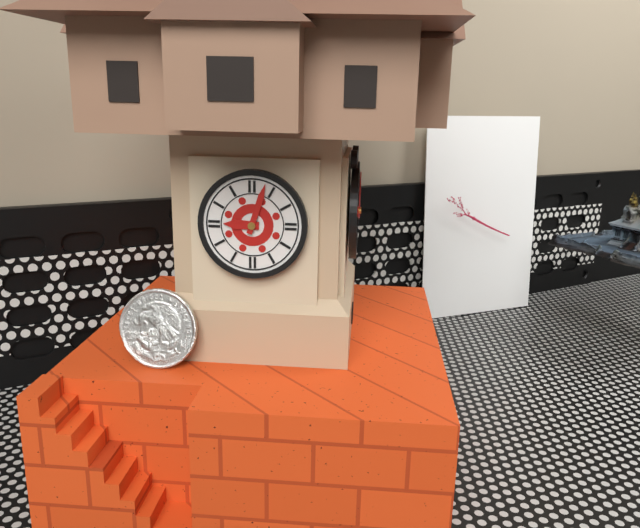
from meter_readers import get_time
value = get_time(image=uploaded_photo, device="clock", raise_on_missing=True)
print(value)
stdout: 9:03
